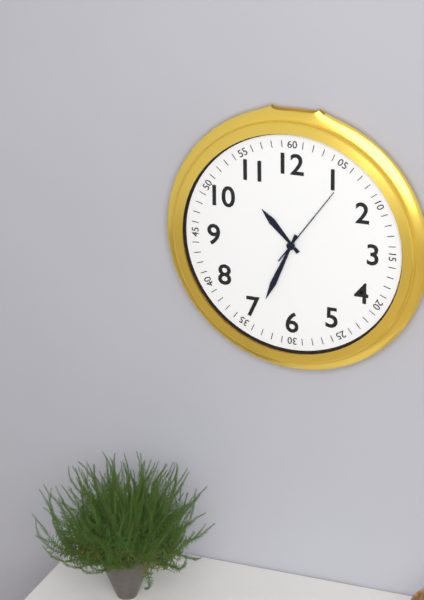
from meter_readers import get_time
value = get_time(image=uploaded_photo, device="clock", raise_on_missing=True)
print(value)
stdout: 10:34:06
